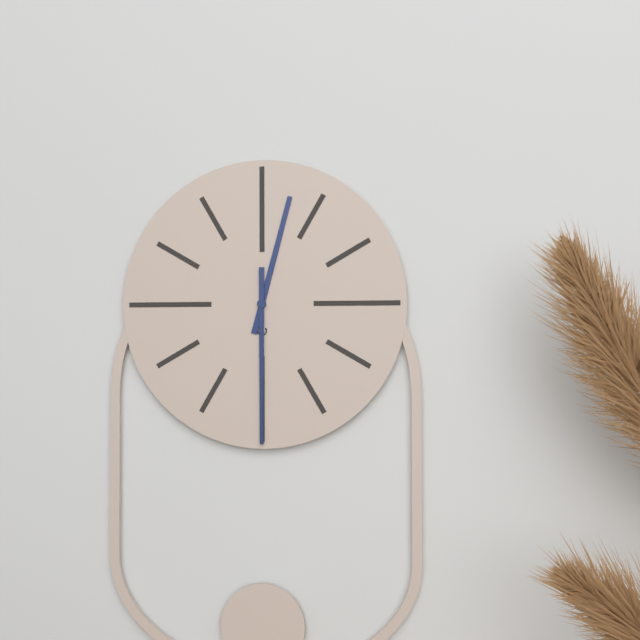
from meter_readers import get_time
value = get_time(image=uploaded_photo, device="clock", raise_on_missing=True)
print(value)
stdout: 12:30
